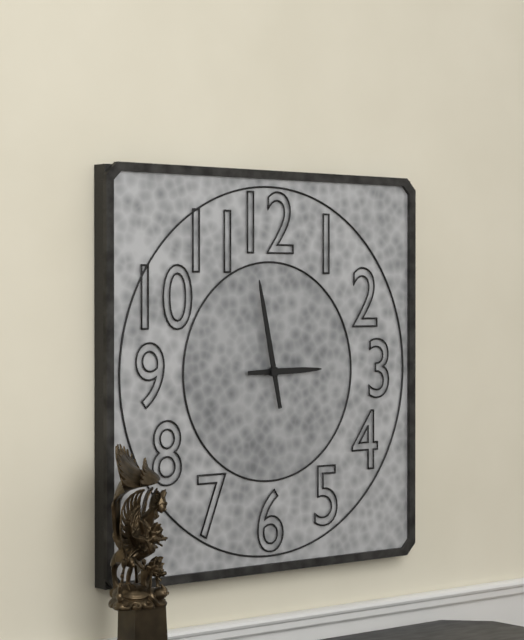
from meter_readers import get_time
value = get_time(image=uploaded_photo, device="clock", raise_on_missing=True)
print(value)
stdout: 2:58
